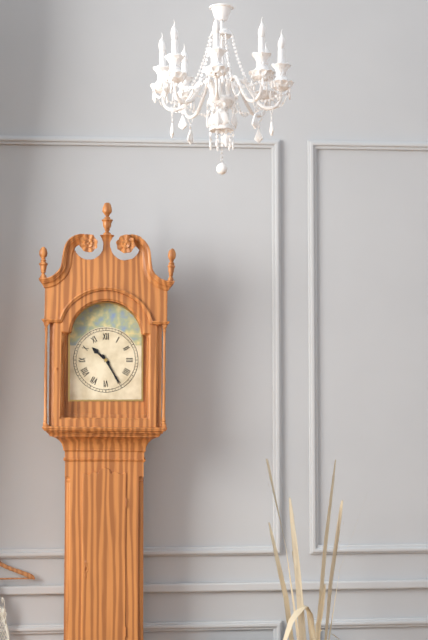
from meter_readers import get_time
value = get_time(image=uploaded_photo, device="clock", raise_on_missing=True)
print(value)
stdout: 10:25
